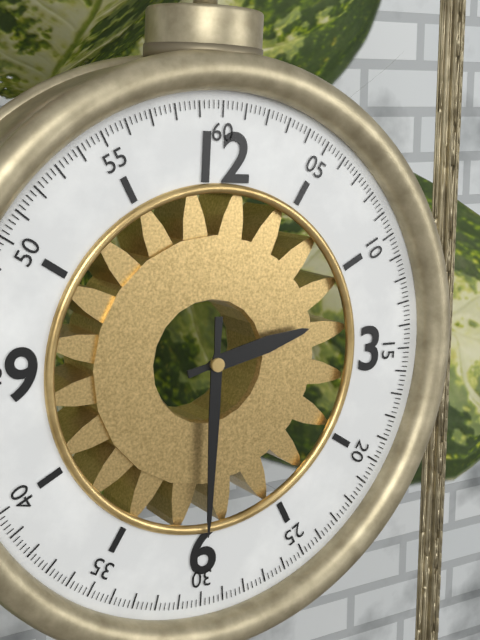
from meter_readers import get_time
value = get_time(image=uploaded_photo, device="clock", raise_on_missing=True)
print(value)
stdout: 2:30
